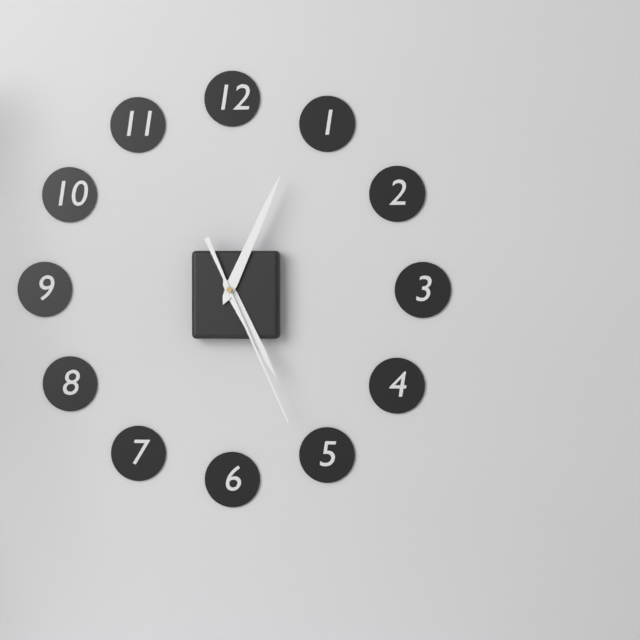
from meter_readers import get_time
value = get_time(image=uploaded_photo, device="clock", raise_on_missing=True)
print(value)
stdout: 5:04:26
